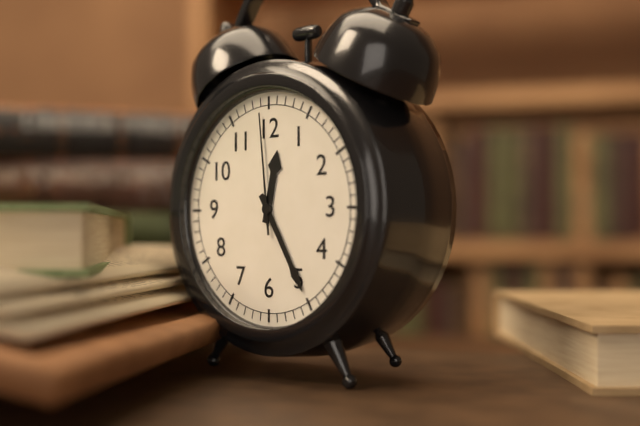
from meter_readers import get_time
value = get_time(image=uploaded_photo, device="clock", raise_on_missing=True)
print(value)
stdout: 12:25:59
